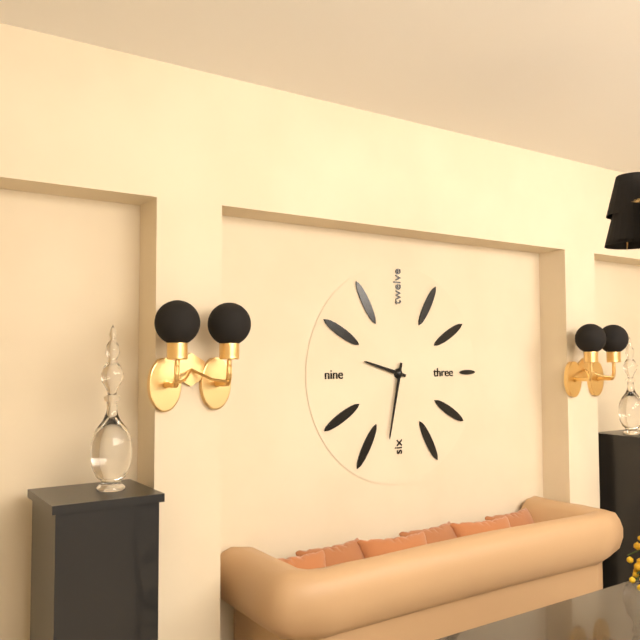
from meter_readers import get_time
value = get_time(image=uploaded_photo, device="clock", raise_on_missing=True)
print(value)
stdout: 9:32
